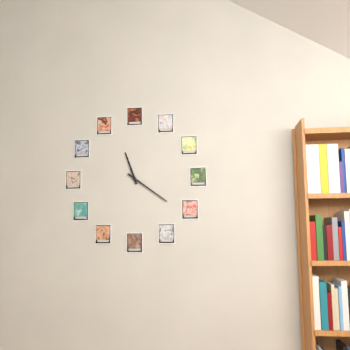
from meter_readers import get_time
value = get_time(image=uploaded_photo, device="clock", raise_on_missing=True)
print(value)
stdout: 11:21
